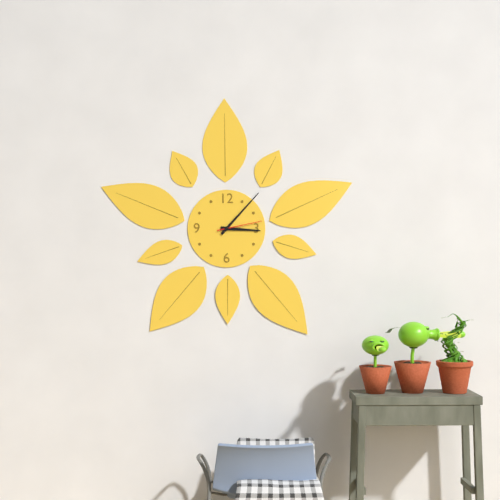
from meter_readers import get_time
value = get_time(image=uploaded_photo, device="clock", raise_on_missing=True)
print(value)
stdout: 3:07
